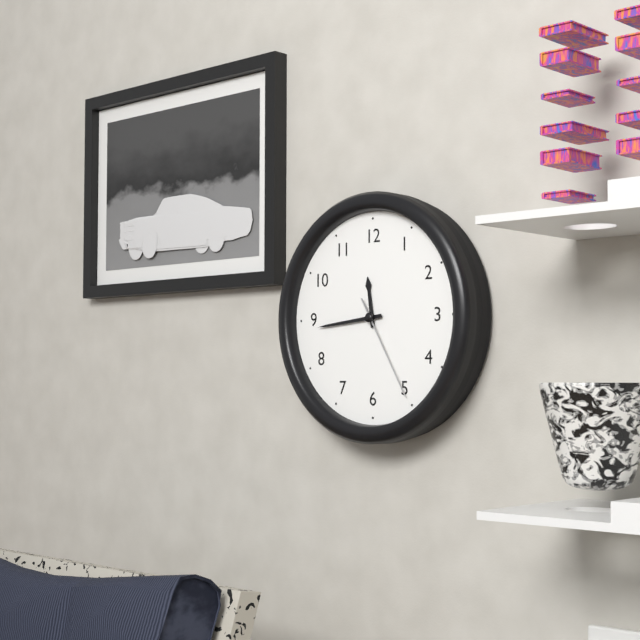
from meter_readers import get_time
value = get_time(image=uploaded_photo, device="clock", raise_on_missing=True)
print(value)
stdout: 11:44:25
